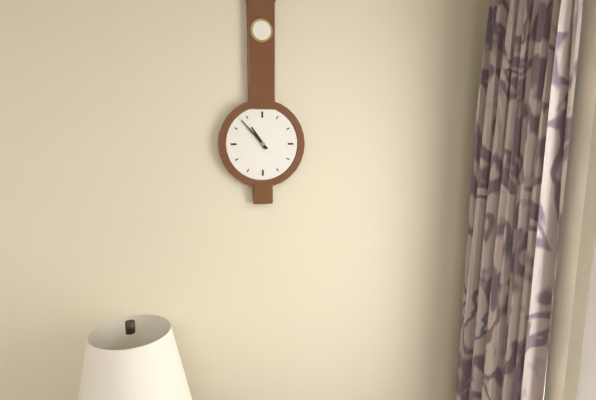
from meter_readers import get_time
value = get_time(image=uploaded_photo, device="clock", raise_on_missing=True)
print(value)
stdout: 10:53
